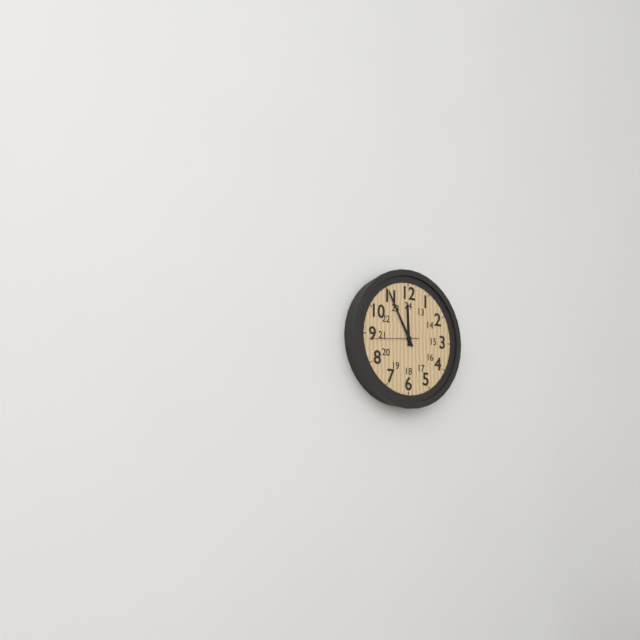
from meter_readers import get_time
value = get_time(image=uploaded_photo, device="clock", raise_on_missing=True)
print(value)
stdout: 11:55
